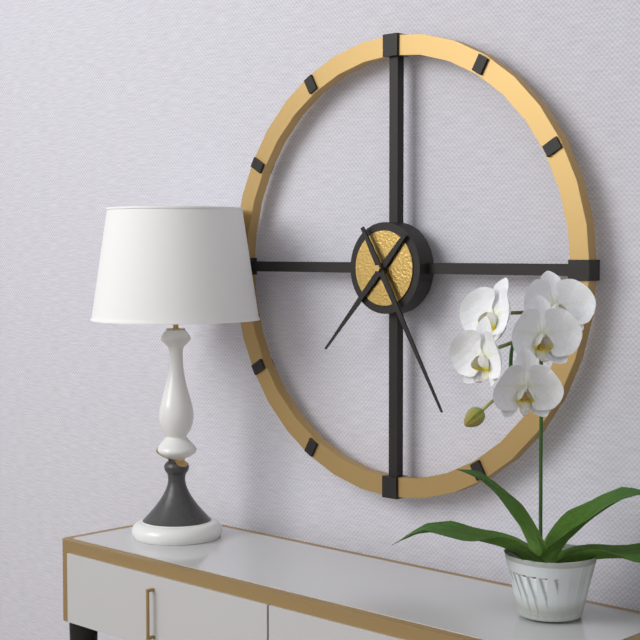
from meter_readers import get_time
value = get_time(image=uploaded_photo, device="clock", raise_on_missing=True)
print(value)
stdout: 7:25
